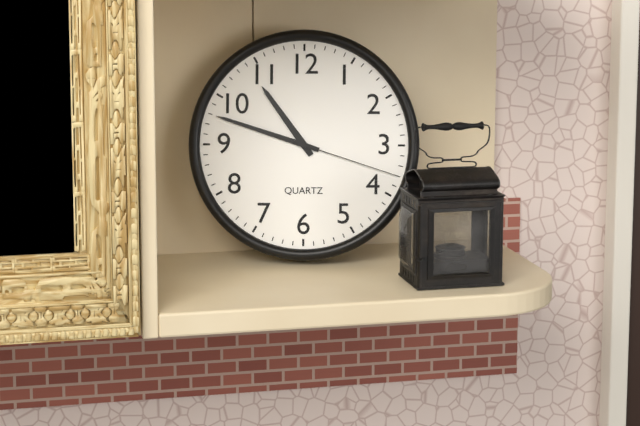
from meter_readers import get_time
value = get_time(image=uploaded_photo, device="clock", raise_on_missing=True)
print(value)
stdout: 10:48:18
